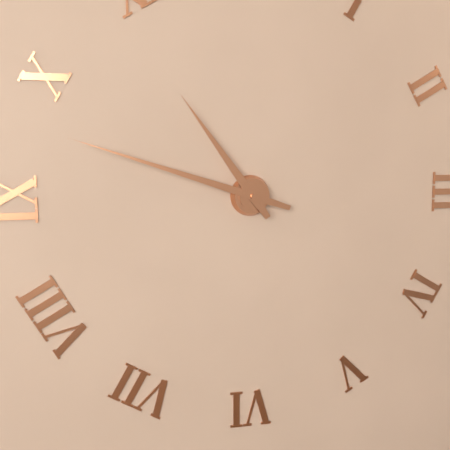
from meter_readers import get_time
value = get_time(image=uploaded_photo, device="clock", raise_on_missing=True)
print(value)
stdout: 10:48
